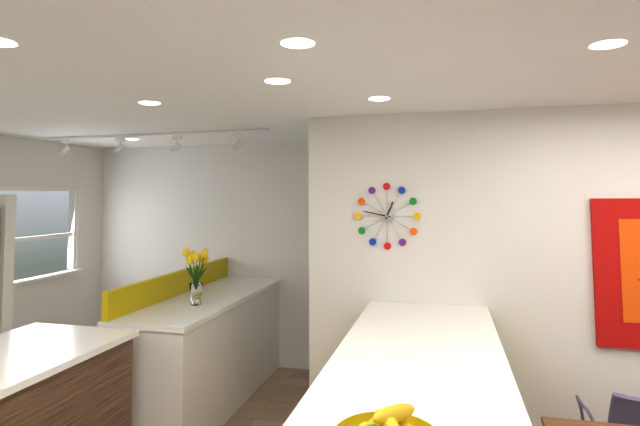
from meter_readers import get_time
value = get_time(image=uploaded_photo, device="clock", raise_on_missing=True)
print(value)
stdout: 12:47
